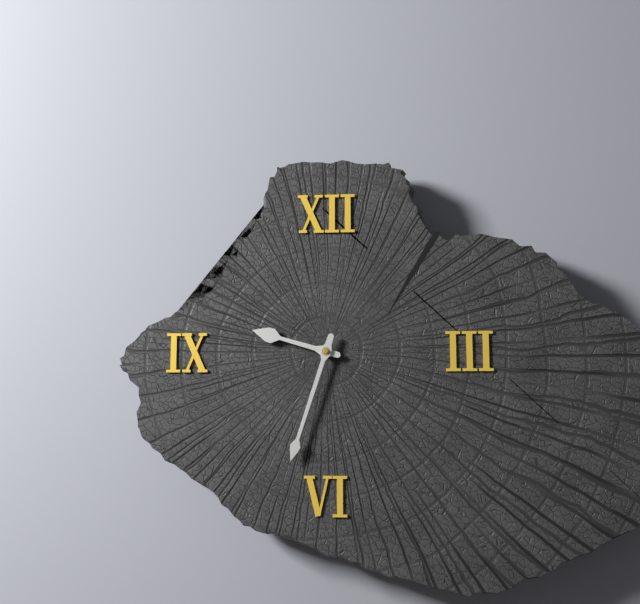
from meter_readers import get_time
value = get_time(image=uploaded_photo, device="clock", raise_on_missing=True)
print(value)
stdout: 9:33
